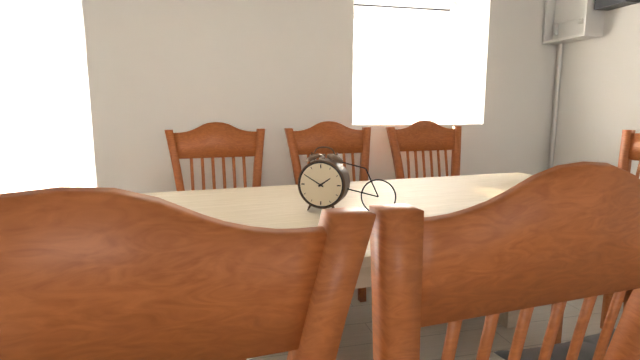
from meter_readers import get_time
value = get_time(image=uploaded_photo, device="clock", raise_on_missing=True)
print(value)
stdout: 1:50
